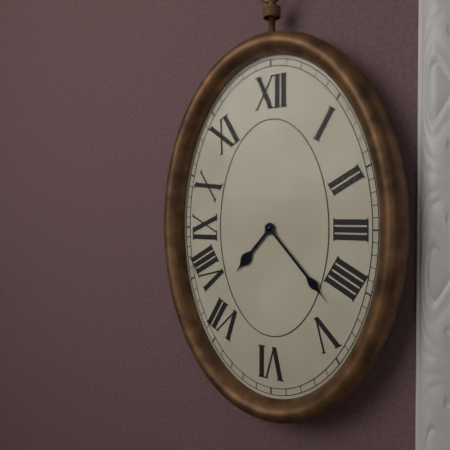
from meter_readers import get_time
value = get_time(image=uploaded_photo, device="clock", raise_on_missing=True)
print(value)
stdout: 7:23
